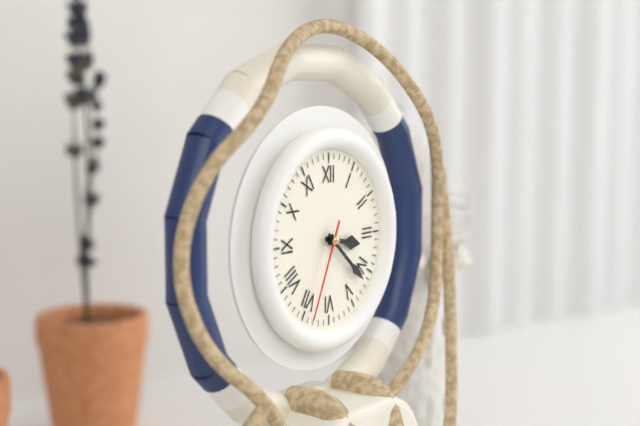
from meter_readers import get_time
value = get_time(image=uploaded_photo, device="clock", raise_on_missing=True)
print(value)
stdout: 3:22:34
